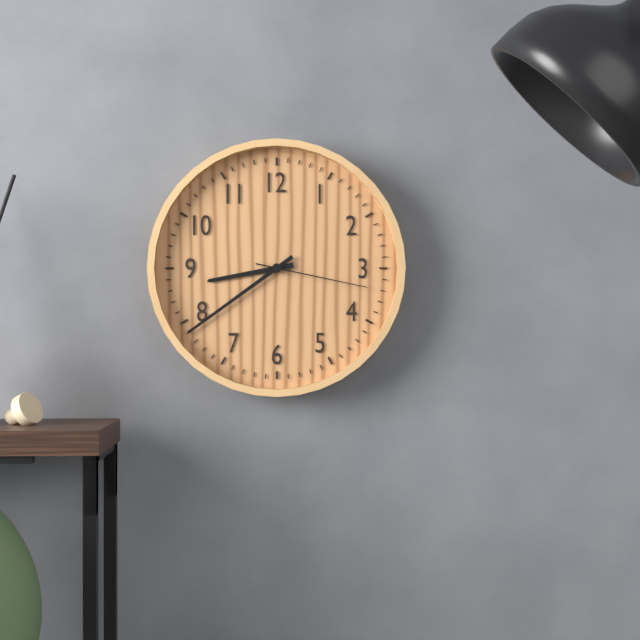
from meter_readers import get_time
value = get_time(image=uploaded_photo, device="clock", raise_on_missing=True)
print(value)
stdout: 8:39:17
